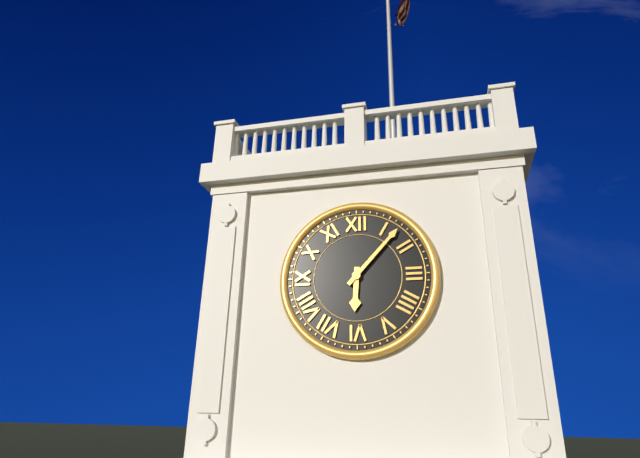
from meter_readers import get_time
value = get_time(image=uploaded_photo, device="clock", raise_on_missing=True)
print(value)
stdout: 6:07
